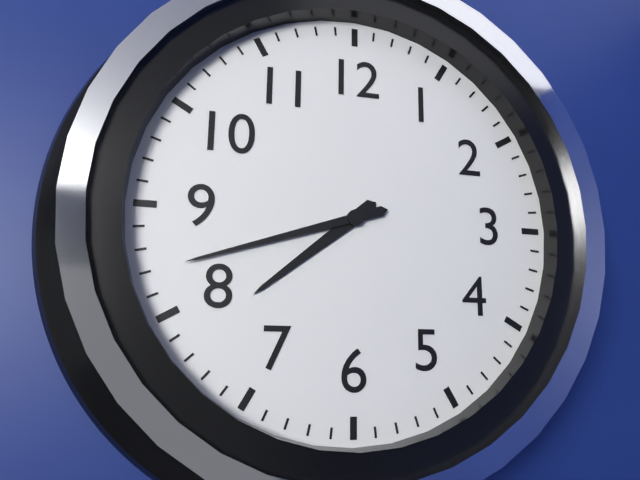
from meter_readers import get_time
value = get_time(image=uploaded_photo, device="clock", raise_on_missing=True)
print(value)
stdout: 7:42
